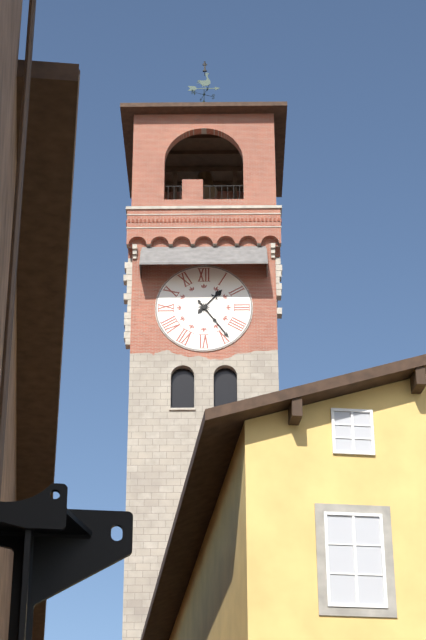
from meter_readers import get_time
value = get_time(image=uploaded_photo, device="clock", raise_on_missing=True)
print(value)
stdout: 1:24
